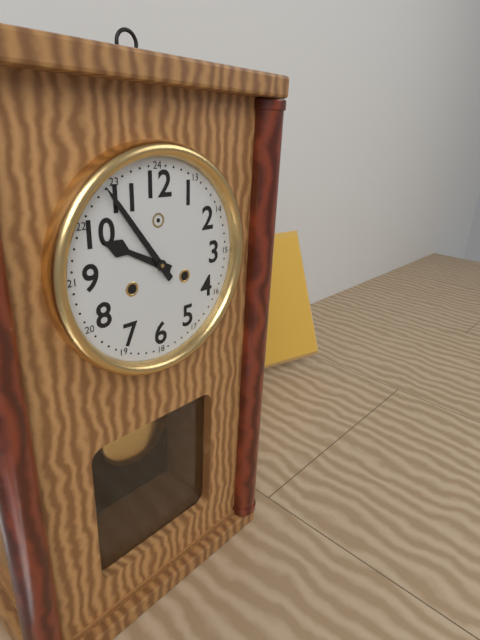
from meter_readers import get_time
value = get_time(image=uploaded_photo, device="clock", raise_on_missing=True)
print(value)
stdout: 9:54
